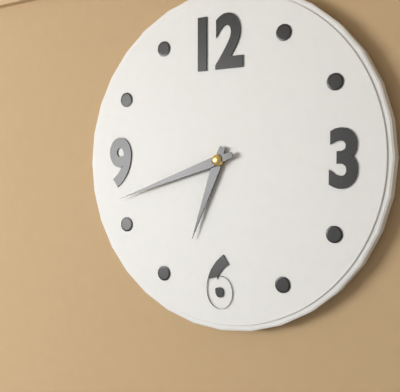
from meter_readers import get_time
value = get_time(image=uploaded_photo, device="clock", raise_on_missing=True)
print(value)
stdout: 6:42
